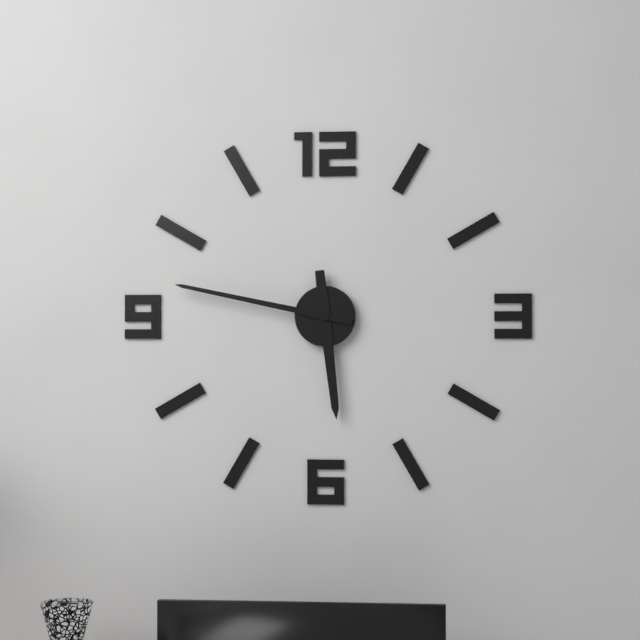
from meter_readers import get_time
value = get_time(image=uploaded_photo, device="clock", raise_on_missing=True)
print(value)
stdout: 5:47
